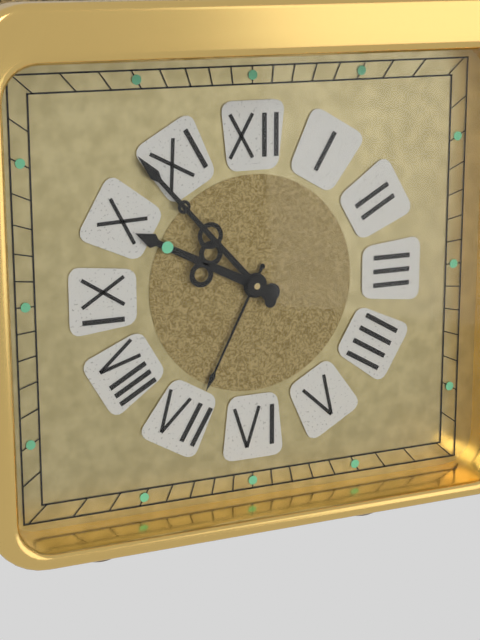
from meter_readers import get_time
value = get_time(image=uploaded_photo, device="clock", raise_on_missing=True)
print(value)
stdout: 9:53
